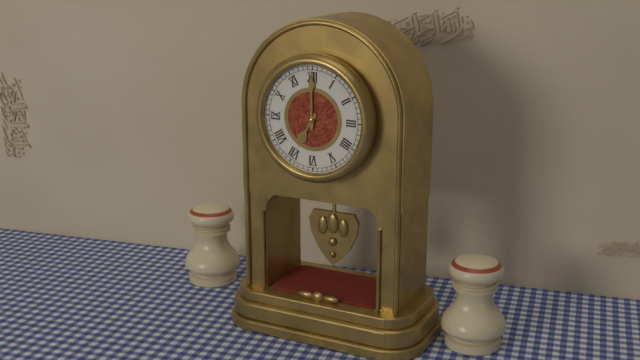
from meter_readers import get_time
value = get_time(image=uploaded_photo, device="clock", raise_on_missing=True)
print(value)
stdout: 7:00
